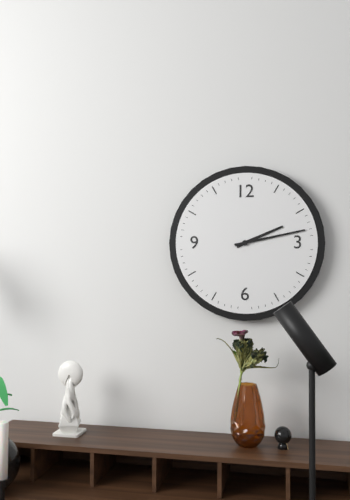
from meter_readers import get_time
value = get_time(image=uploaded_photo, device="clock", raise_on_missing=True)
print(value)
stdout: 2:13
